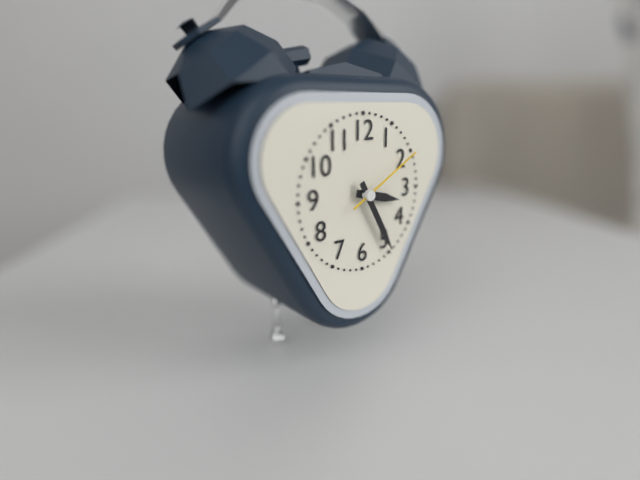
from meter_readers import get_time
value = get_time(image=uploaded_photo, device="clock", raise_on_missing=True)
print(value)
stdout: 3:25:10
